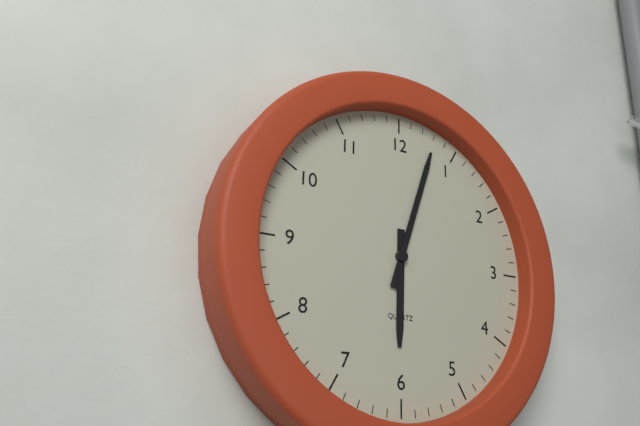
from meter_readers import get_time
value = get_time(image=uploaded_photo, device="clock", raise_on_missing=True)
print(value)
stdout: 6:03
